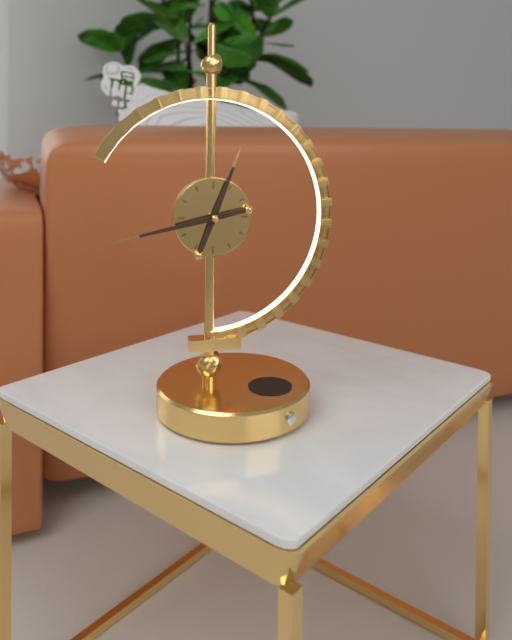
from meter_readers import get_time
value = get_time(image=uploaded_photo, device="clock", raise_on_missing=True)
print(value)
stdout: 12:43
